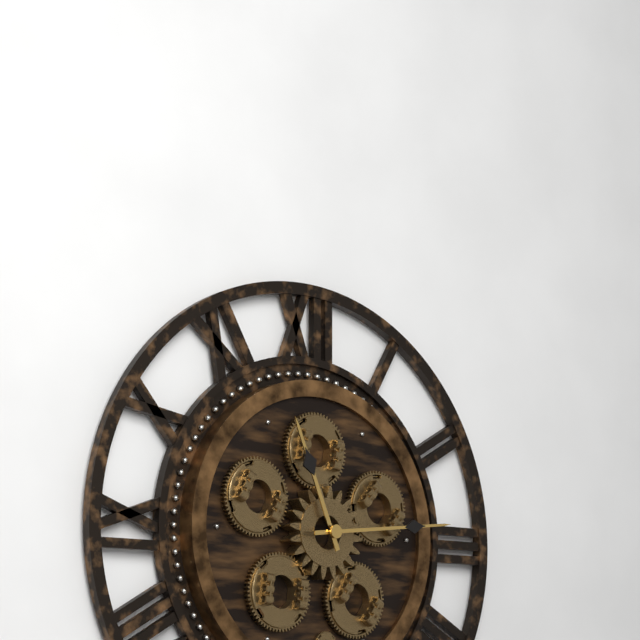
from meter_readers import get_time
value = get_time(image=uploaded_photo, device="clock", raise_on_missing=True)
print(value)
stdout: 11:14
